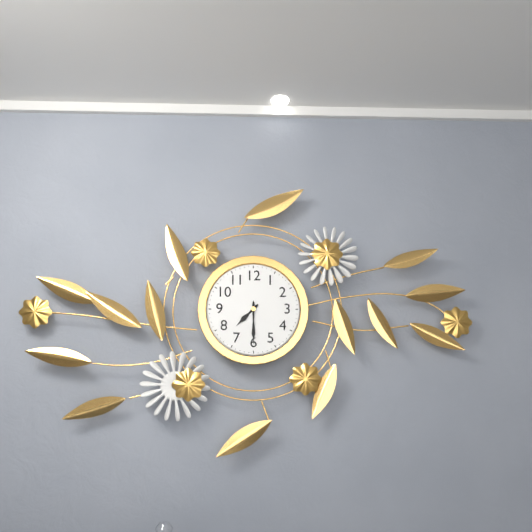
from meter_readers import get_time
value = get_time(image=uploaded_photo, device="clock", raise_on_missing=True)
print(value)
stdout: 7:30
